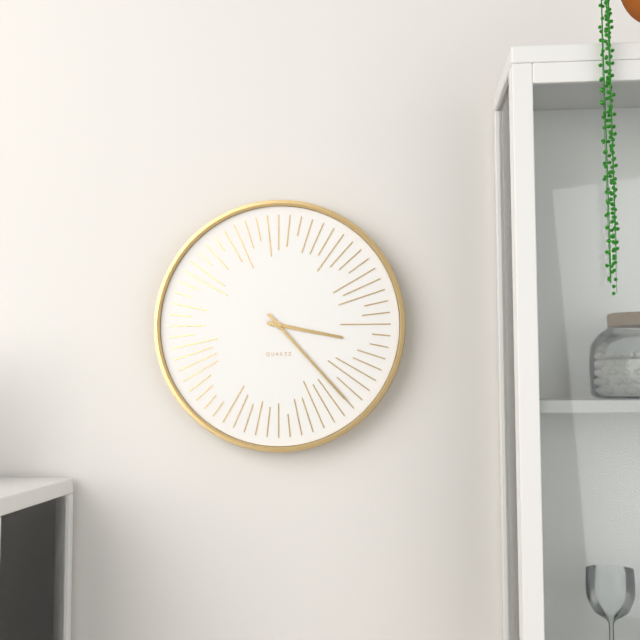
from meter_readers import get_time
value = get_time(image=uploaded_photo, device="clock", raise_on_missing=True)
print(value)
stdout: 3:23
